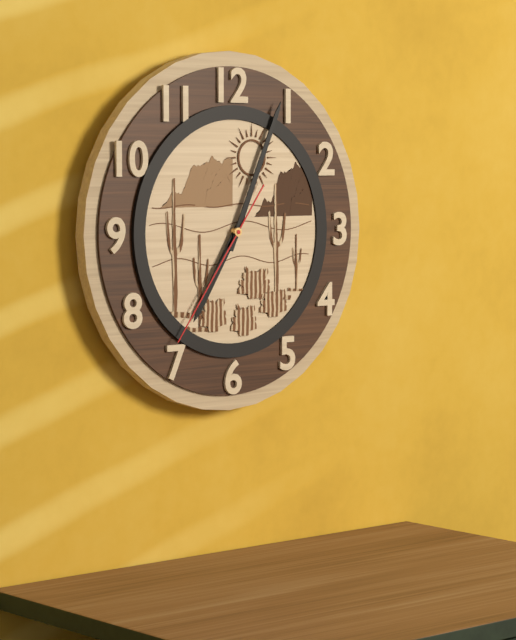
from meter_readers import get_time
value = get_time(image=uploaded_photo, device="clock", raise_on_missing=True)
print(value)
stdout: 7:04:36
